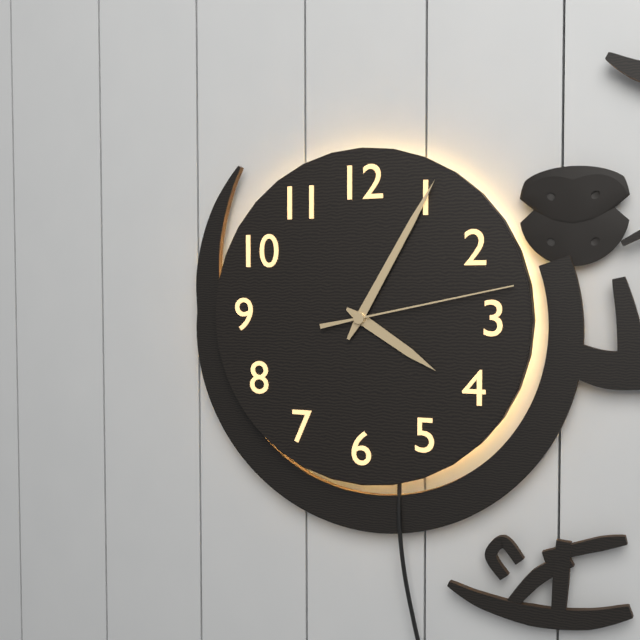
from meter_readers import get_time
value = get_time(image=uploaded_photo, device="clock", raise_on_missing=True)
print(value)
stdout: 4:05:13
